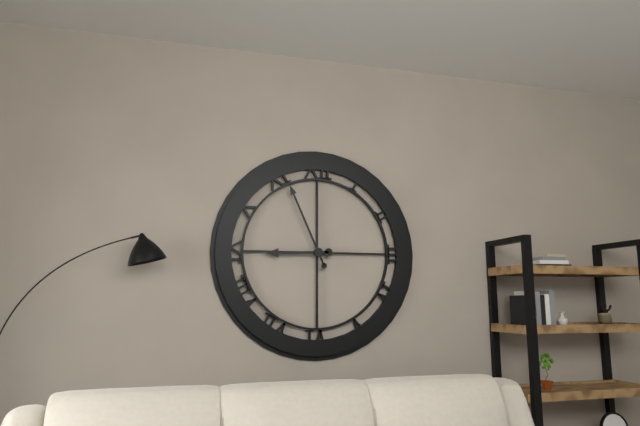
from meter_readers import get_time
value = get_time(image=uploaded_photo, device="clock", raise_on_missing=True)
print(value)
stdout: 8:56
